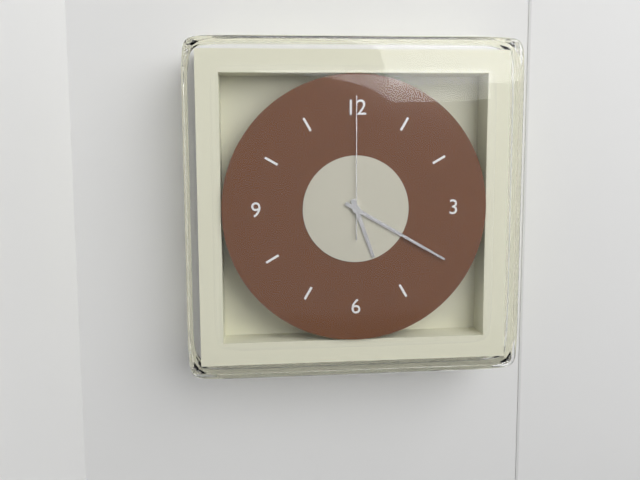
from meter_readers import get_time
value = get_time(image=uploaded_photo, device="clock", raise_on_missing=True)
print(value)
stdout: 5:20:00
